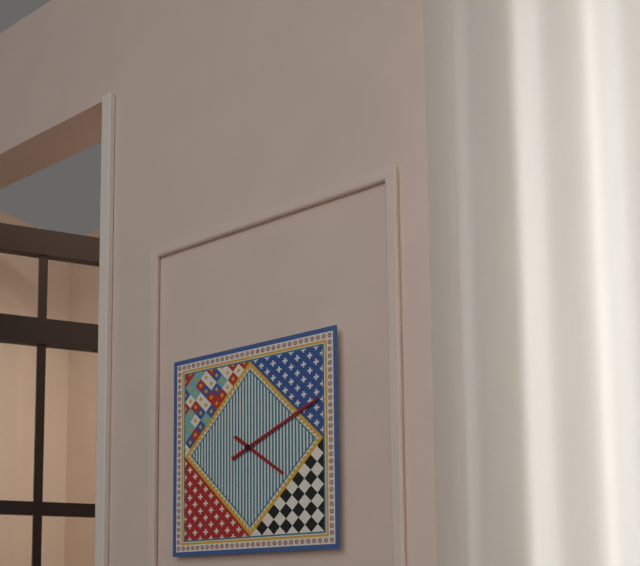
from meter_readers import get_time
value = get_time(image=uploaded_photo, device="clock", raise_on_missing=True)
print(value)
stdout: 4:11
